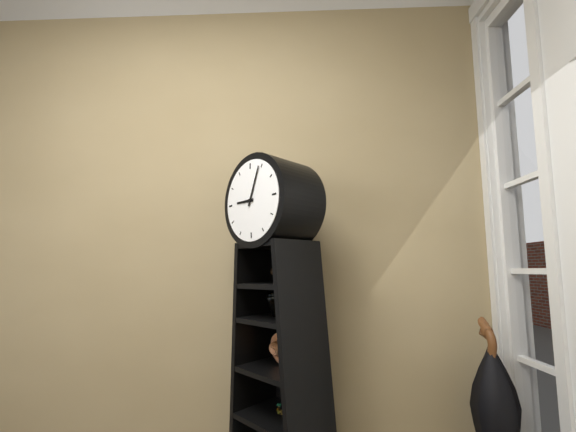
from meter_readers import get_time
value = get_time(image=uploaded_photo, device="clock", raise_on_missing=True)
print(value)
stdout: 9:04
